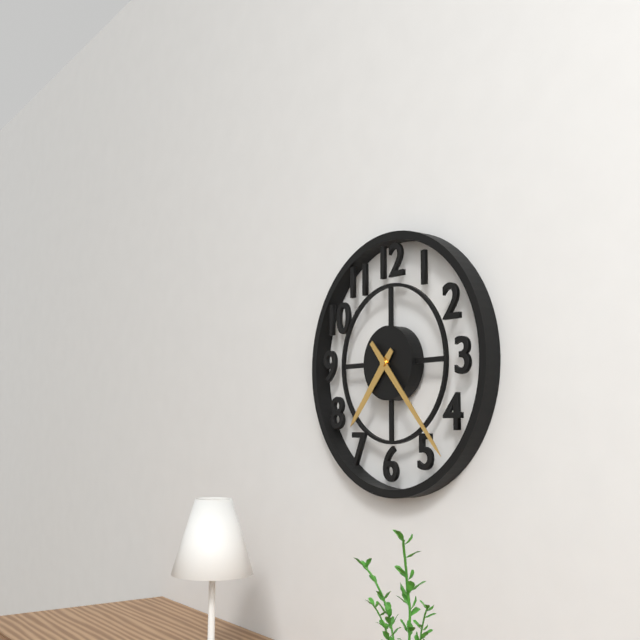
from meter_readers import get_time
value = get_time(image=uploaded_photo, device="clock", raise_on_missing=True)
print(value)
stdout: 7:23
